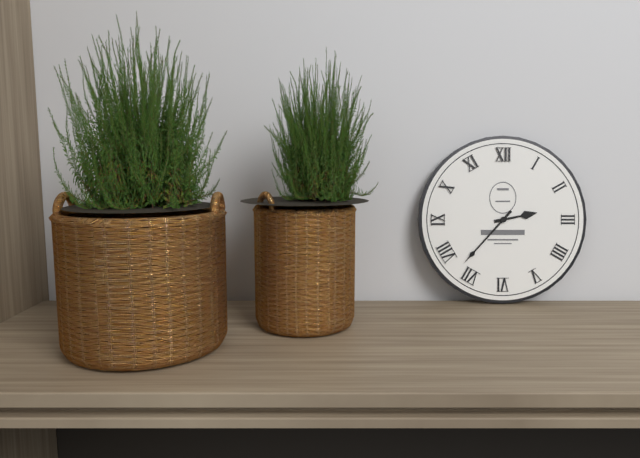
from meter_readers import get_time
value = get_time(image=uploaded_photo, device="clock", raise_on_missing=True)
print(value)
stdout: 2:37
